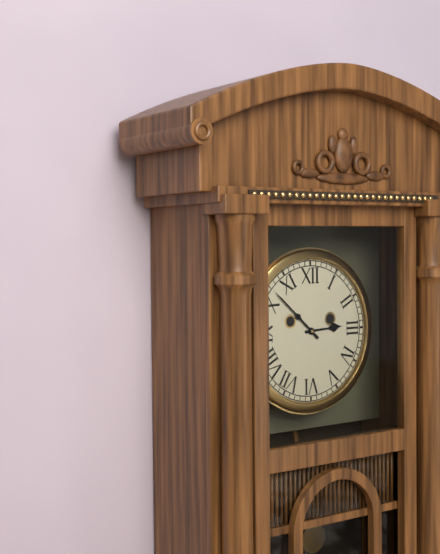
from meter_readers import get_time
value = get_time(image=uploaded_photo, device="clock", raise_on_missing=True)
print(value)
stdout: 2:52
